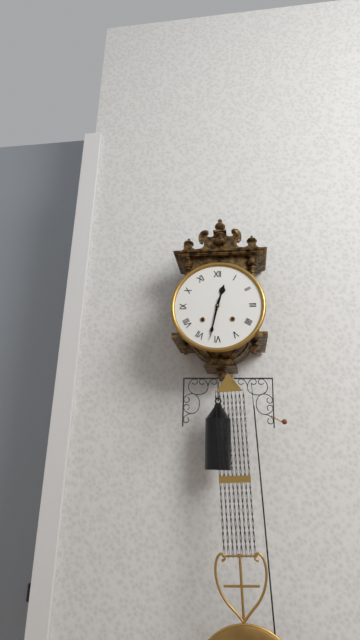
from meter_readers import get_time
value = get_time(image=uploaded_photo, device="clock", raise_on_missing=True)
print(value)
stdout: 12:32
